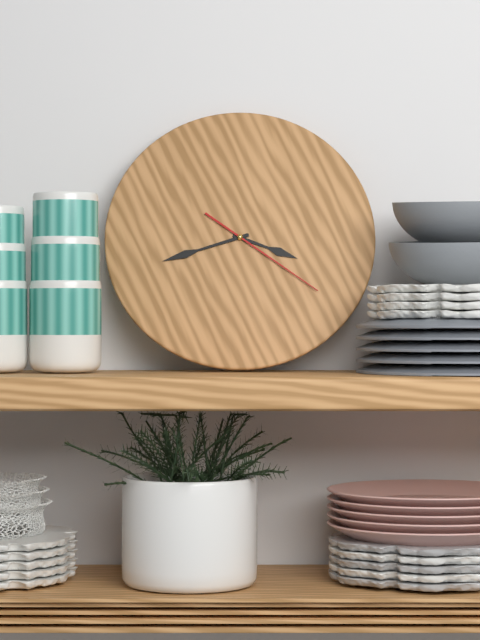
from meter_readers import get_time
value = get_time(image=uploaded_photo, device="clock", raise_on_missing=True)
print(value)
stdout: 3:42:21
